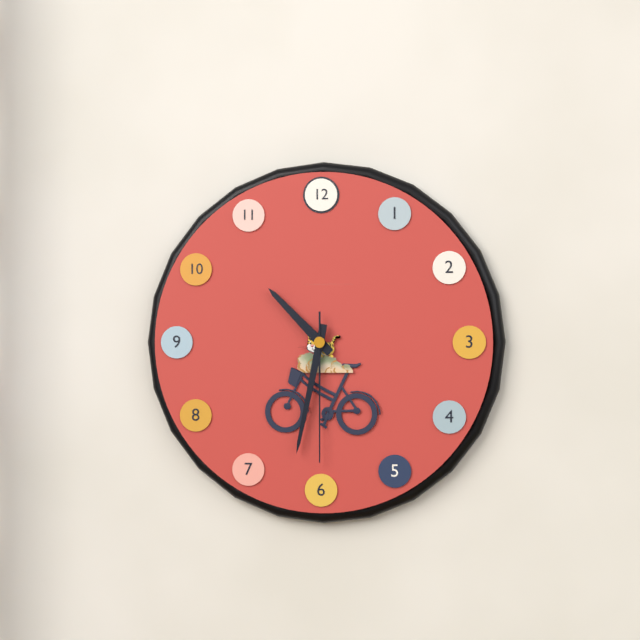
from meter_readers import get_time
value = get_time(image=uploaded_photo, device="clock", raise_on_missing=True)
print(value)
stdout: 10:32:30
